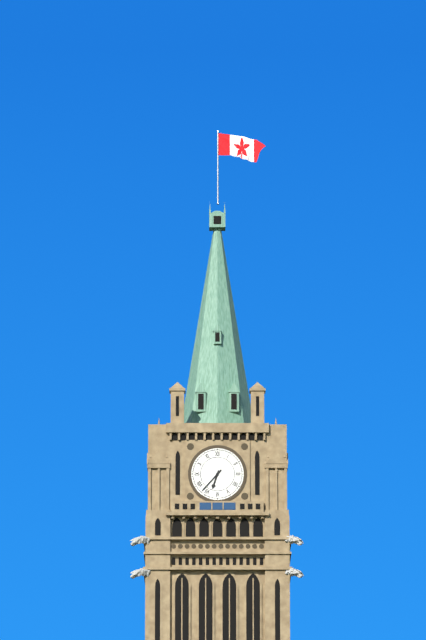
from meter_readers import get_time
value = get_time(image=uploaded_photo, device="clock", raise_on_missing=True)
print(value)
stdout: 6:37
